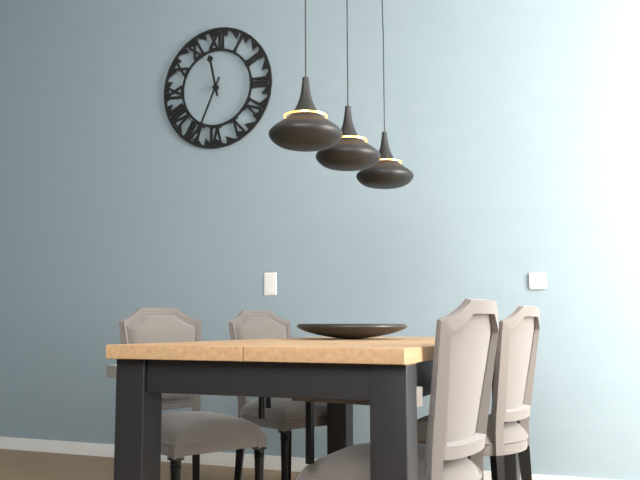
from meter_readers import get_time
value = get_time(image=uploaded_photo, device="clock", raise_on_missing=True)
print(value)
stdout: 11:34
